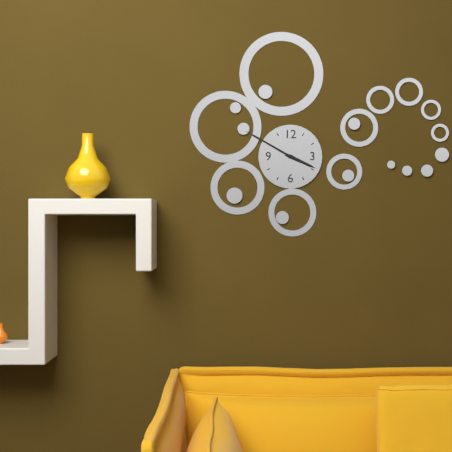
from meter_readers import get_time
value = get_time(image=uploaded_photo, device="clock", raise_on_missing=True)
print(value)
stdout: 3:50
